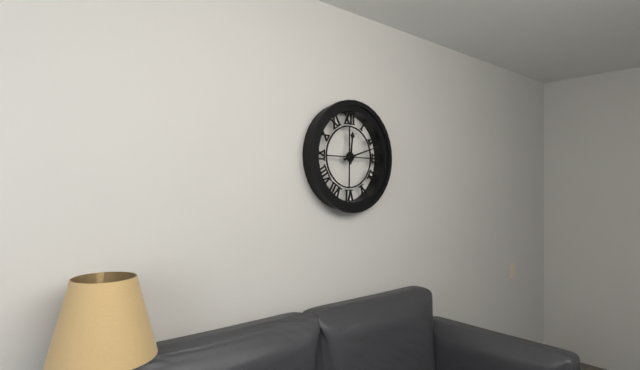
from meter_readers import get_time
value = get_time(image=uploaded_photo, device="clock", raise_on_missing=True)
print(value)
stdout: 12:12
